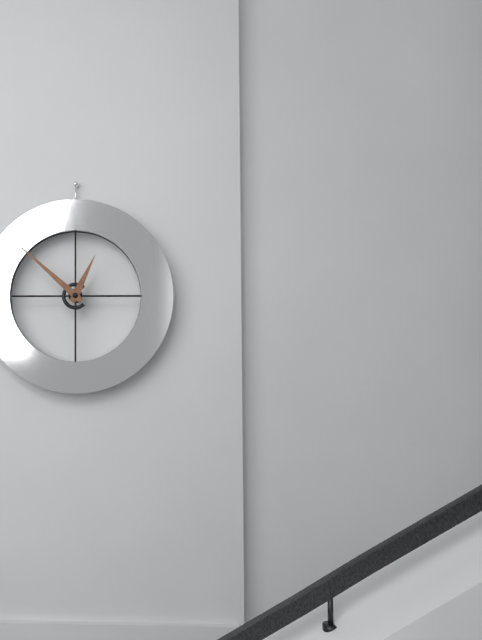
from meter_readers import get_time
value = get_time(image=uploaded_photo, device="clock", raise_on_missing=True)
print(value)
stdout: 12:52
